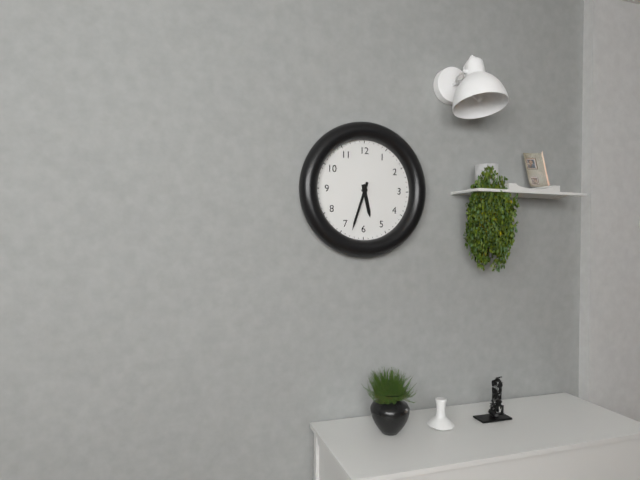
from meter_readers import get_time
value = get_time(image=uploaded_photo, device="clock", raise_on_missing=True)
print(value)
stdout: 5:33
